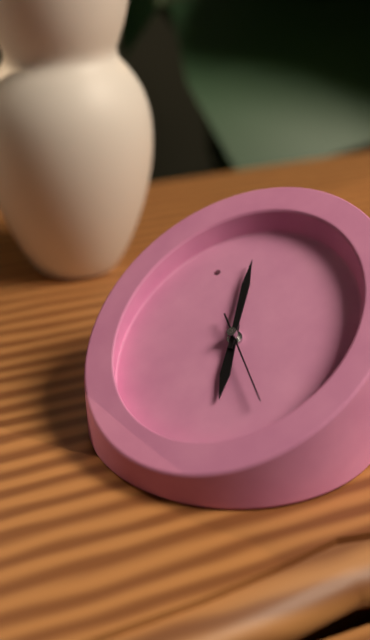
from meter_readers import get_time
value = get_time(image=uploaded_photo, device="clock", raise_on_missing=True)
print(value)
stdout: 8:11:36
